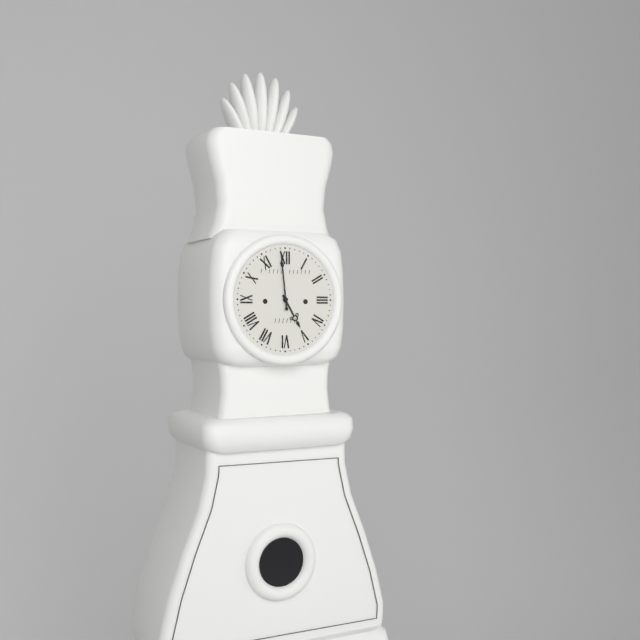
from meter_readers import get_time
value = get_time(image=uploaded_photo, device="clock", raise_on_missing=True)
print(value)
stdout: 4:59
